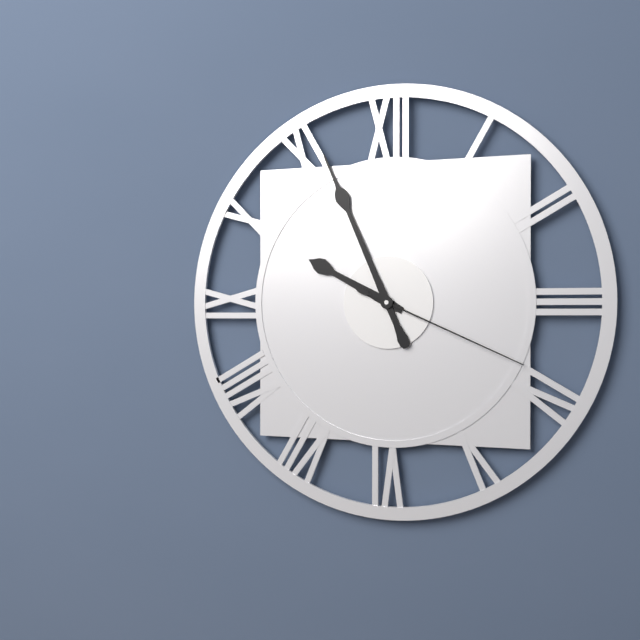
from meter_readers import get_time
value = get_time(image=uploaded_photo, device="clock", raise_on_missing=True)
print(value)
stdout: 9:56:19
